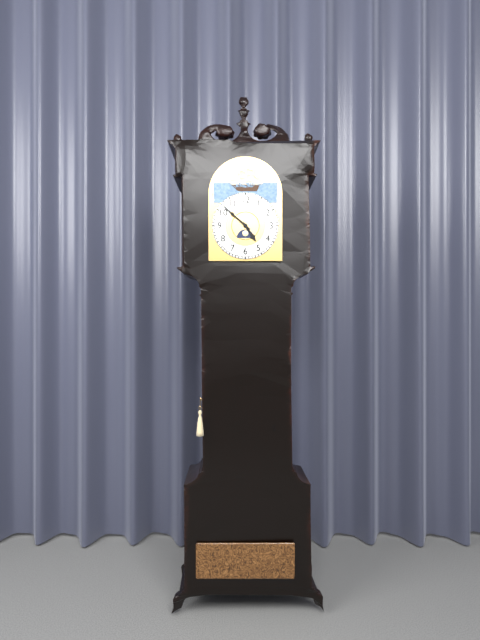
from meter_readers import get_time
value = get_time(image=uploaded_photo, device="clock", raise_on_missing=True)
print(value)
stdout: 4:52
